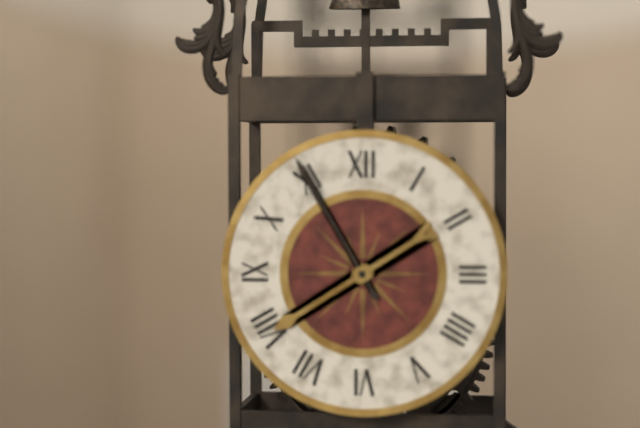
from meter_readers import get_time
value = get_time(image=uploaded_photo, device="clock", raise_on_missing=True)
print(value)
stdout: 7:55
